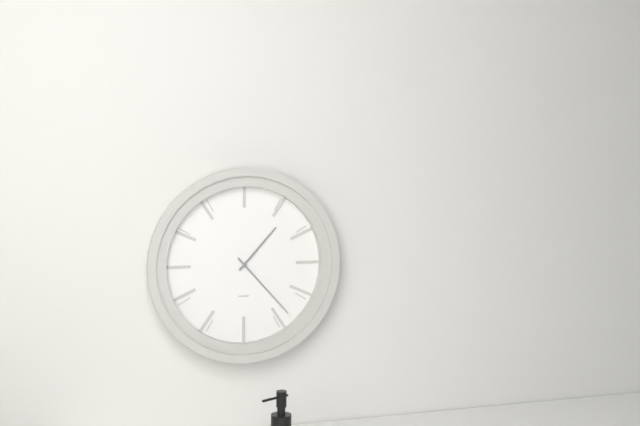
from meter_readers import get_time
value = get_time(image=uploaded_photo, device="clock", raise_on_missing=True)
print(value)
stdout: 1:23
